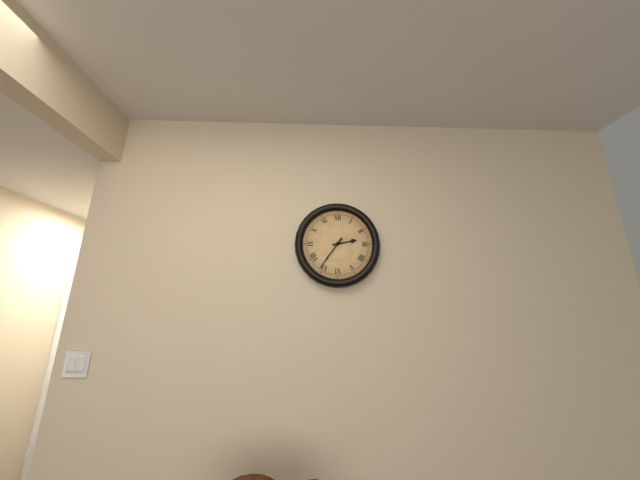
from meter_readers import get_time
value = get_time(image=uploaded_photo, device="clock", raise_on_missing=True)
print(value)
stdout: 2:36
